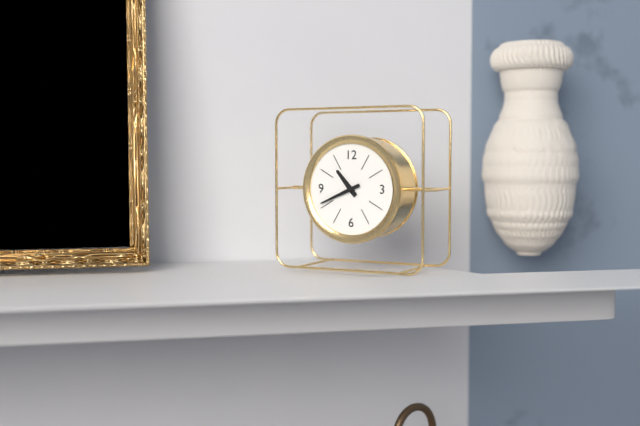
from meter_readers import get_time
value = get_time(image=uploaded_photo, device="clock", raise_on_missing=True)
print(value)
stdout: 10:41
